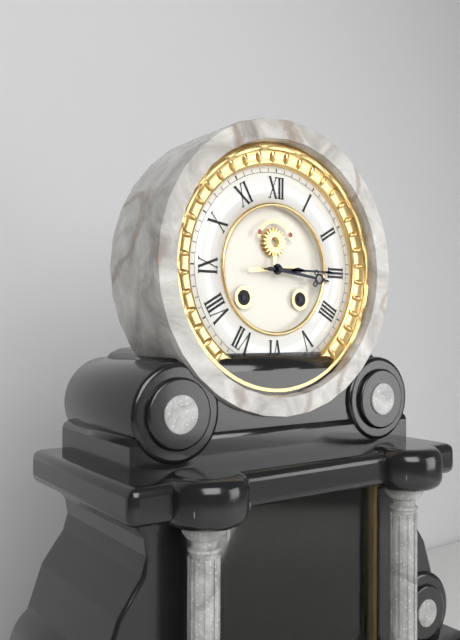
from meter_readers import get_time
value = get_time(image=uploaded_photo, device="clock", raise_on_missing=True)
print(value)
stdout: 3:15
